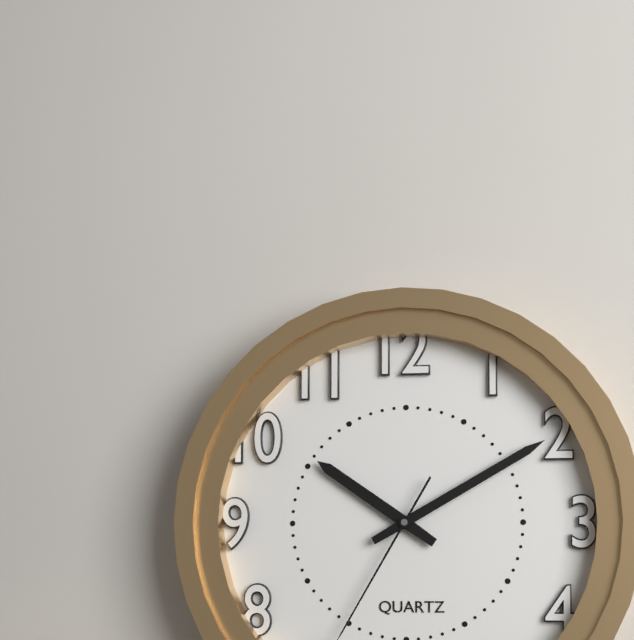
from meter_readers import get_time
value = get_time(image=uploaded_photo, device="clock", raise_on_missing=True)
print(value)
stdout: 10:10
